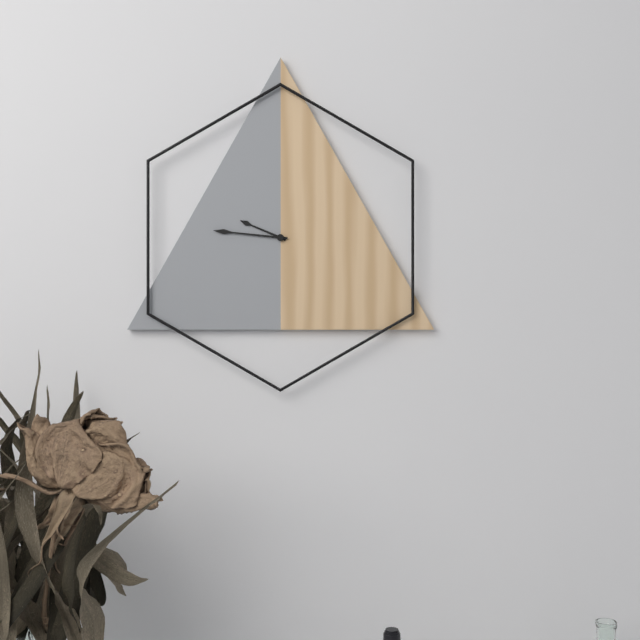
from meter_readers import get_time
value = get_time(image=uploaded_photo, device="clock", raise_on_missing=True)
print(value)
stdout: 9:46
